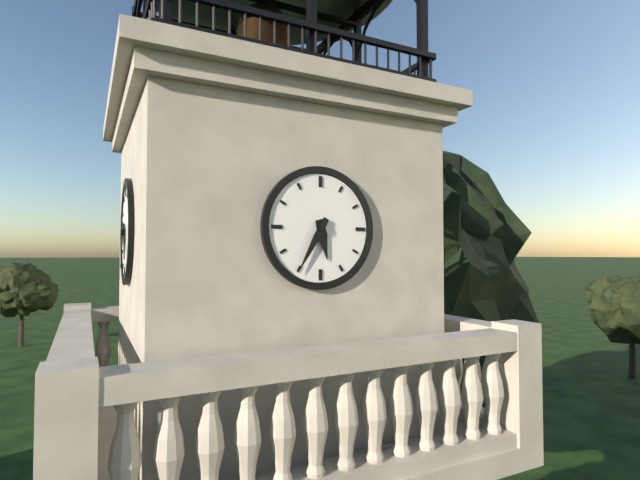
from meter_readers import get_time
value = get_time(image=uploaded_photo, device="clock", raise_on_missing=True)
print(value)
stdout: 5:35
